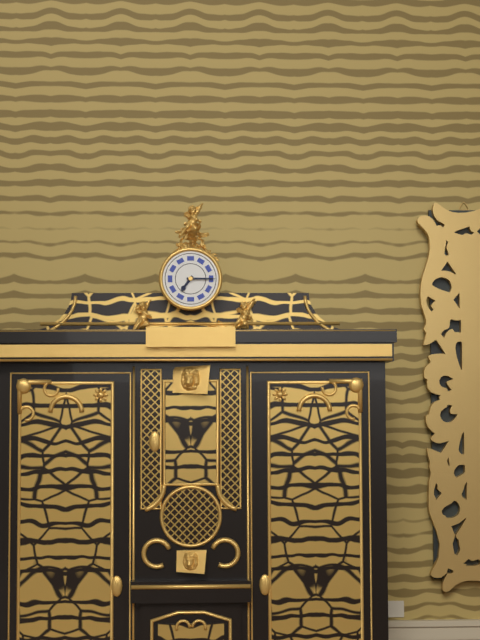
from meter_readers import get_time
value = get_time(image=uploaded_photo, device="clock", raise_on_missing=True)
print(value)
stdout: 7:15
